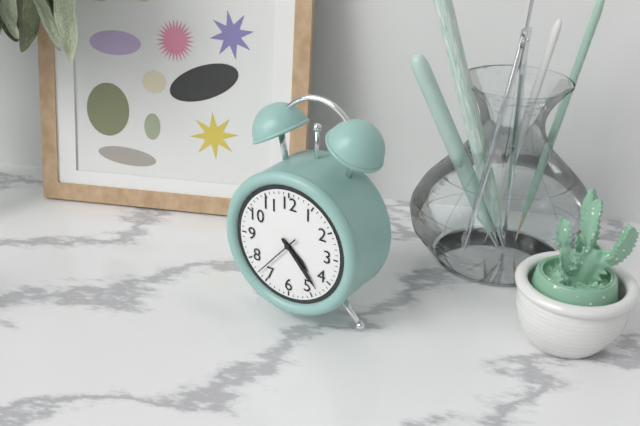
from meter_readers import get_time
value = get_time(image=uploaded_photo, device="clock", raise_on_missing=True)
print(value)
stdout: 4:23
